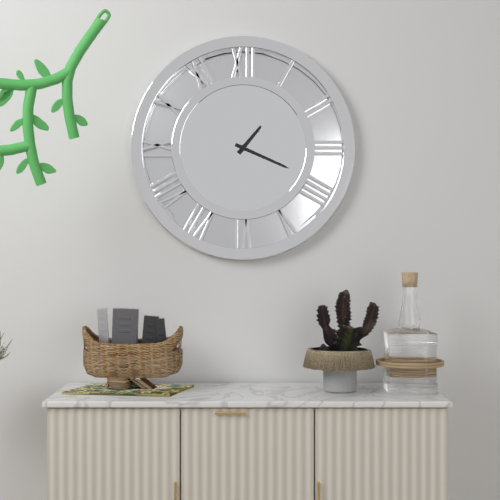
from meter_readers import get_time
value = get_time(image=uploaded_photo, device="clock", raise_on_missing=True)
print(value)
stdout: 1:19
